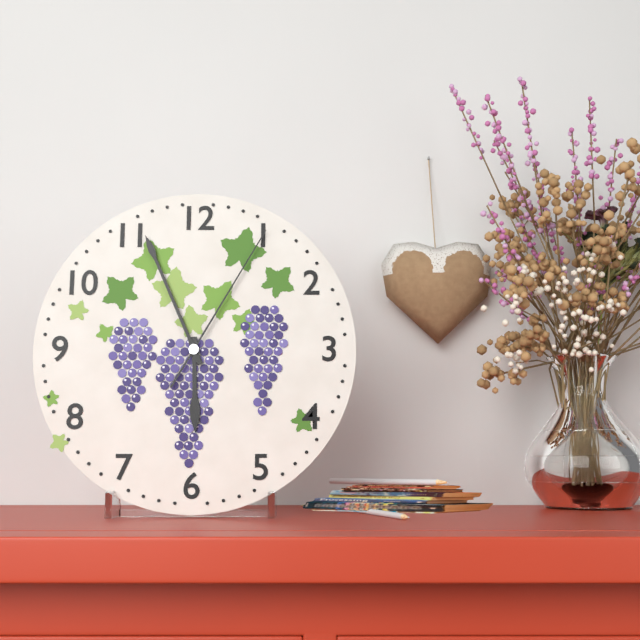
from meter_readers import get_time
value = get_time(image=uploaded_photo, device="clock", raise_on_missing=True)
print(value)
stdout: 5:56:05
